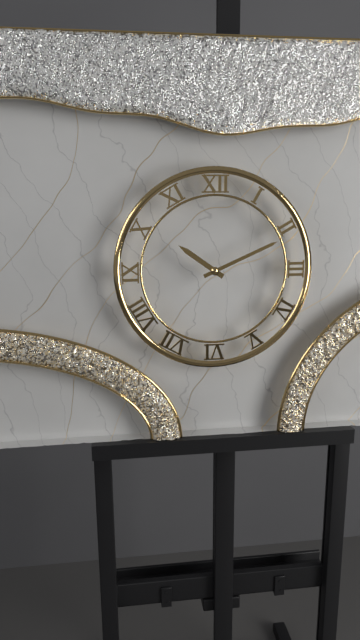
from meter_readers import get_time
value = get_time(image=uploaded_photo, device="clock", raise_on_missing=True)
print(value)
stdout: 10:11
